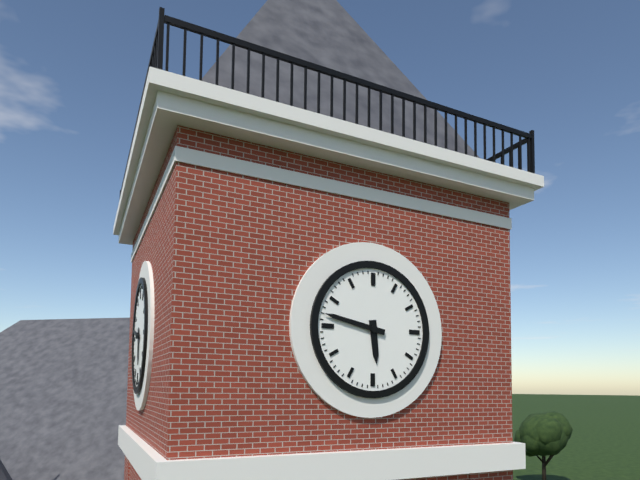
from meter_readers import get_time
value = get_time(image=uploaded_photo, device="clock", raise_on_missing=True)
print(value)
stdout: 5:47
